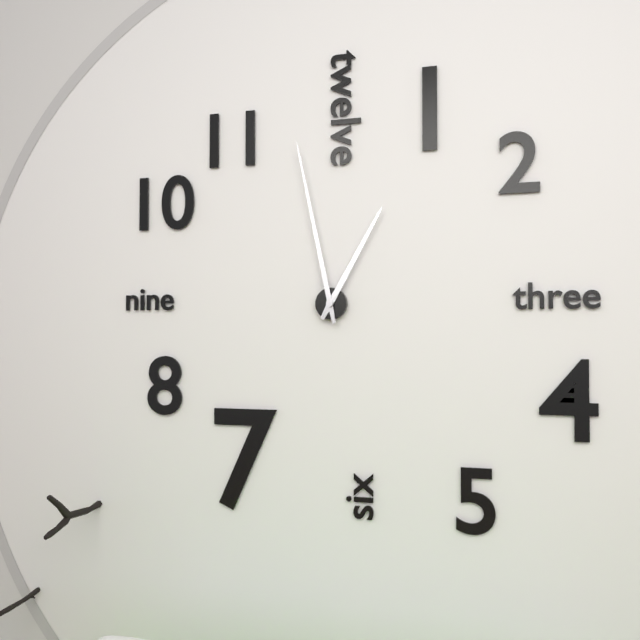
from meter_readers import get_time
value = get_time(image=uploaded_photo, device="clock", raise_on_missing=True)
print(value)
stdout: 12:58
